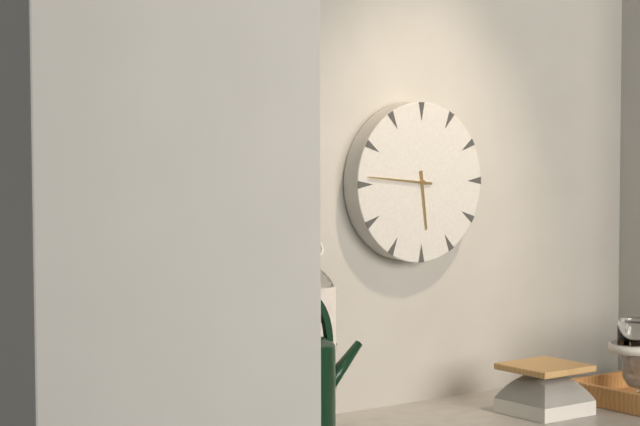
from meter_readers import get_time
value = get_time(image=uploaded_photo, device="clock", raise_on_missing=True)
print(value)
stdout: 5:46
